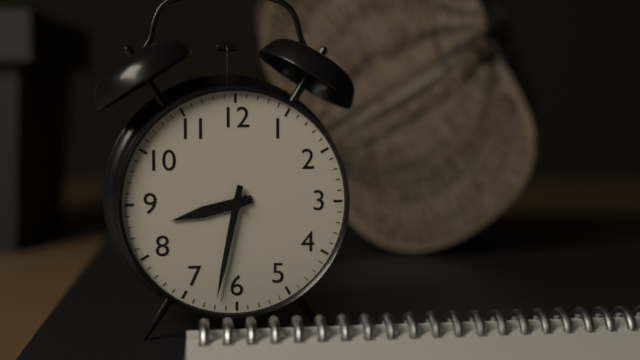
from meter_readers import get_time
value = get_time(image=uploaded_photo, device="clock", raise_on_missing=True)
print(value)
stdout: 8:32
